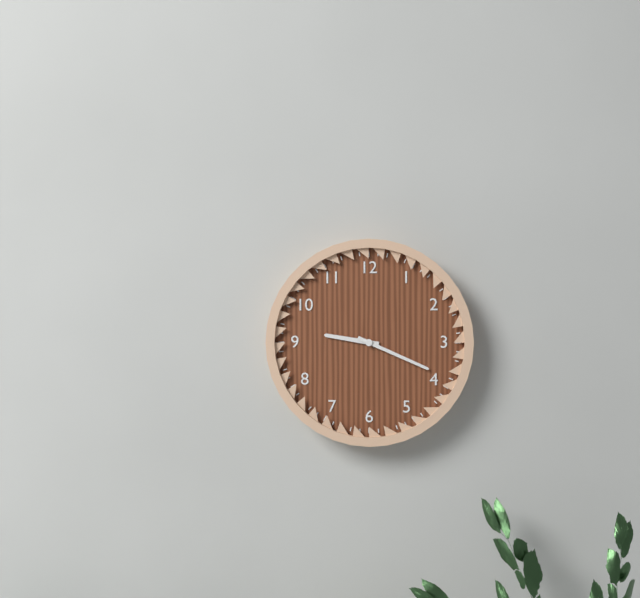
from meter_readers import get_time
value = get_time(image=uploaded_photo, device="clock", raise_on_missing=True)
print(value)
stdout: 9:19
